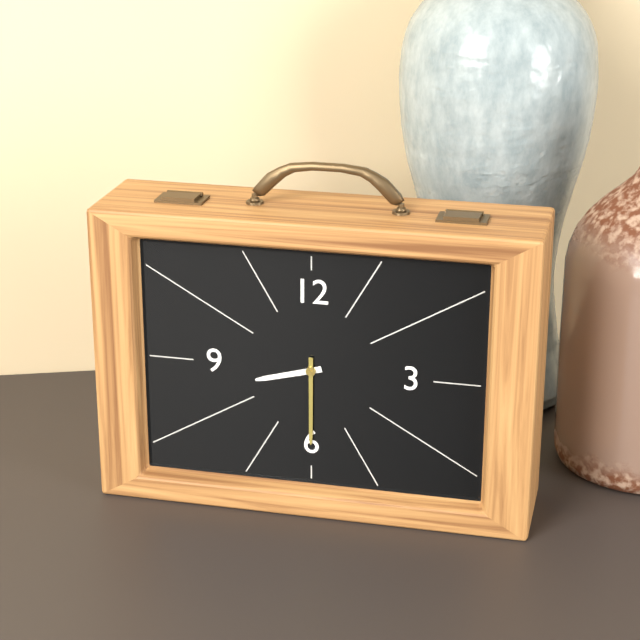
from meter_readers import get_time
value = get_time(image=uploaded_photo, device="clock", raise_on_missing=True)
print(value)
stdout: 8:30
